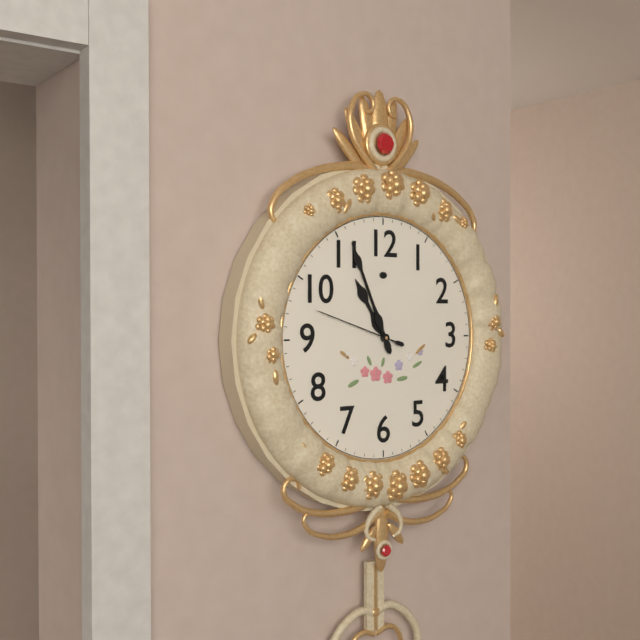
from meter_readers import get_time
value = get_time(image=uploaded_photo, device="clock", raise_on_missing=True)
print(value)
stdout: 10:56:48
